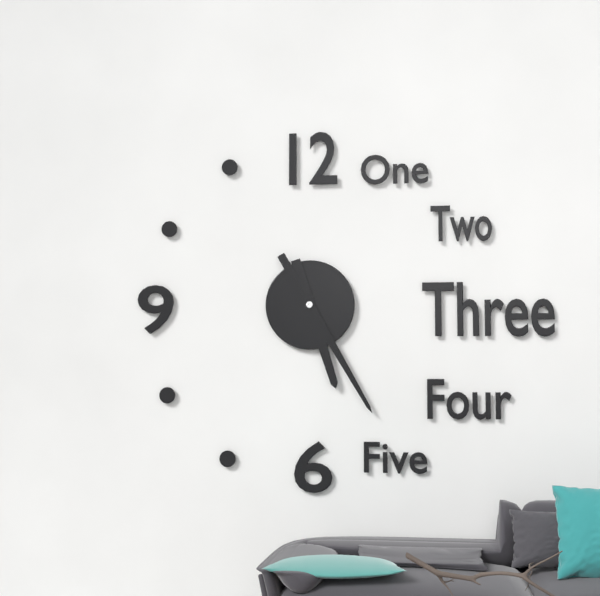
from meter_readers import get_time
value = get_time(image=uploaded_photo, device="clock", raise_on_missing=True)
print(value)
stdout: 5:25:25
